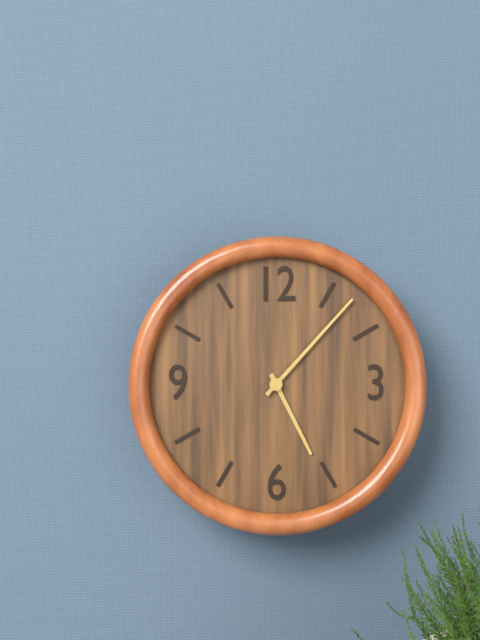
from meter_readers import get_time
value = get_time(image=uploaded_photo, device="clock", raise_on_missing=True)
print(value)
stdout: 5:07
